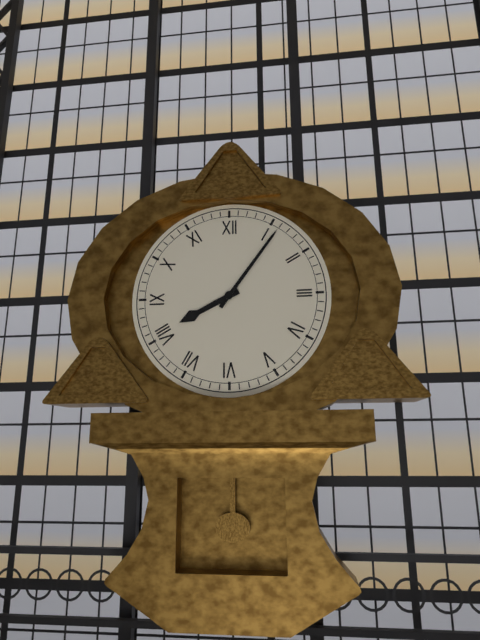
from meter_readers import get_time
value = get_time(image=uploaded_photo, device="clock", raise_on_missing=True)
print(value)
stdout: 8:06
